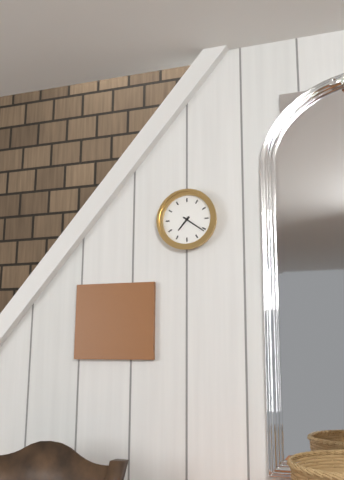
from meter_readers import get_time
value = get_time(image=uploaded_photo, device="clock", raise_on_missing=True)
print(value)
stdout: 7:21
